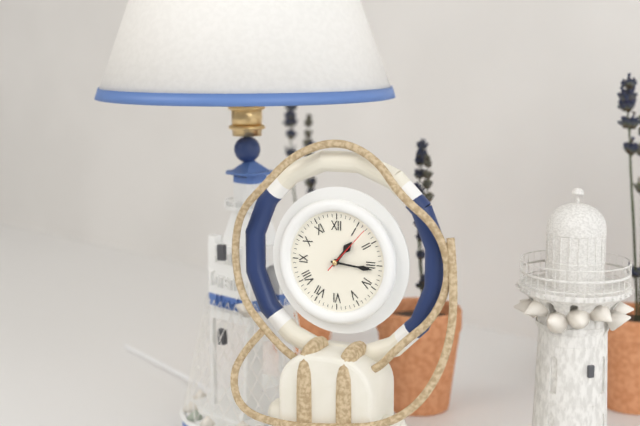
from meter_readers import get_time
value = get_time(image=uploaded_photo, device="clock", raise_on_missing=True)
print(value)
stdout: 1:16:07
